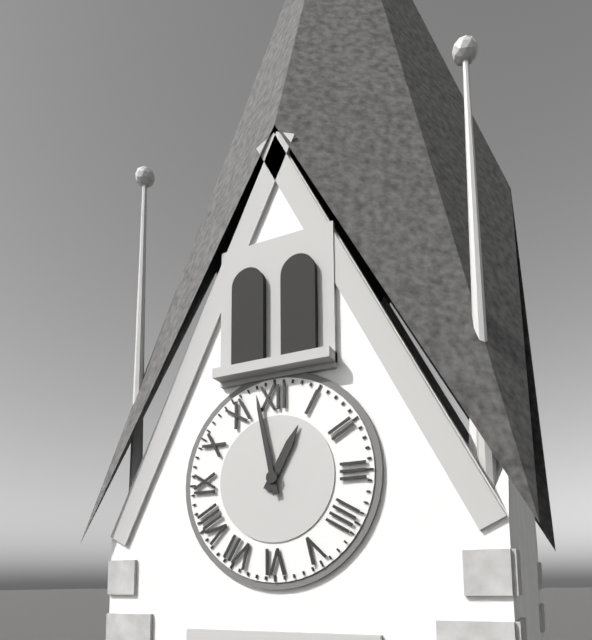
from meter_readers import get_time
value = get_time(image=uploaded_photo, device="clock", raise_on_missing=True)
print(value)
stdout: 12:58
